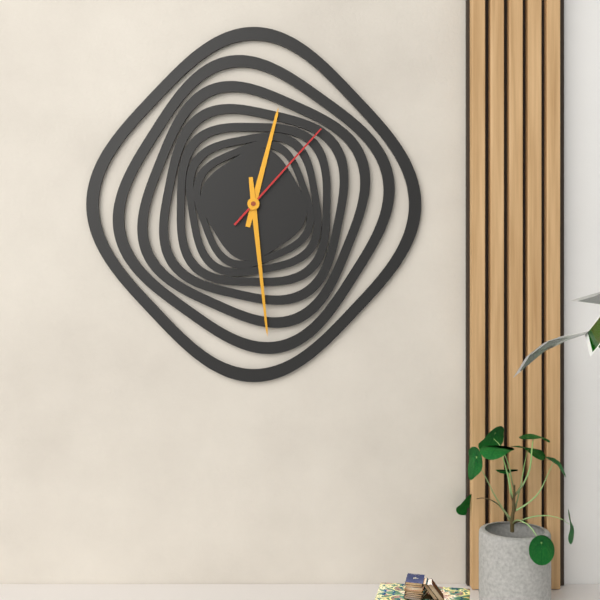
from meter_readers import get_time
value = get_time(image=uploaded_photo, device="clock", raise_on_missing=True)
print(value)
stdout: 12:29:07
